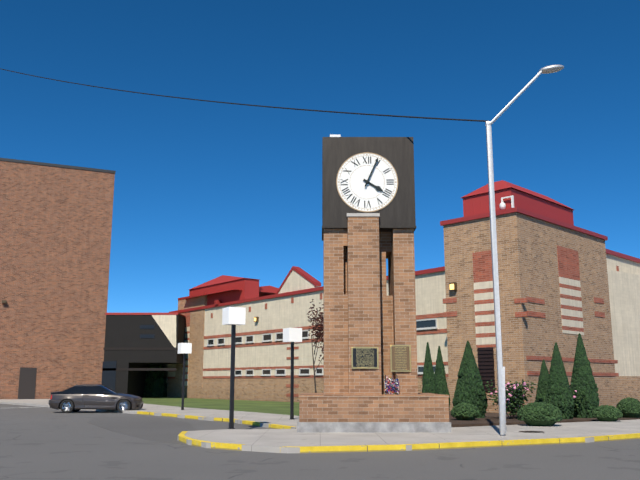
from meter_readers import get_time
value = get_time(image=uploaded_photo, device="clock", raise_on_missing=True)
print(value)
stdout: 4:04
